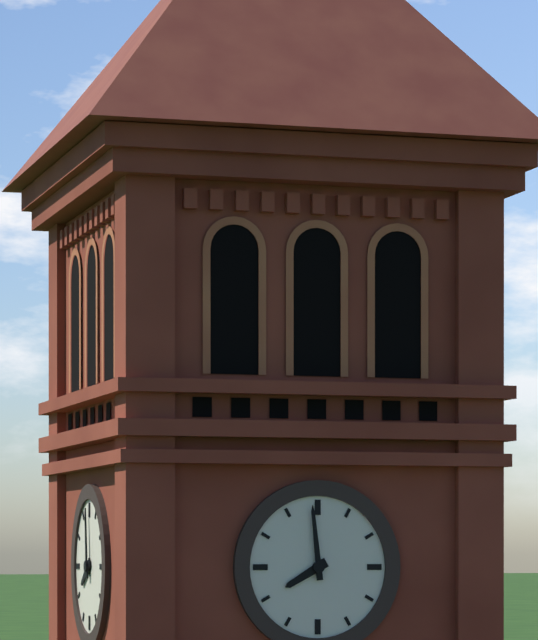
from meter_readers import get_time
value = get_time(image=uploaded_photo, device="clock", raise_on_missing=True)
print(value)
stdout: 7:59
